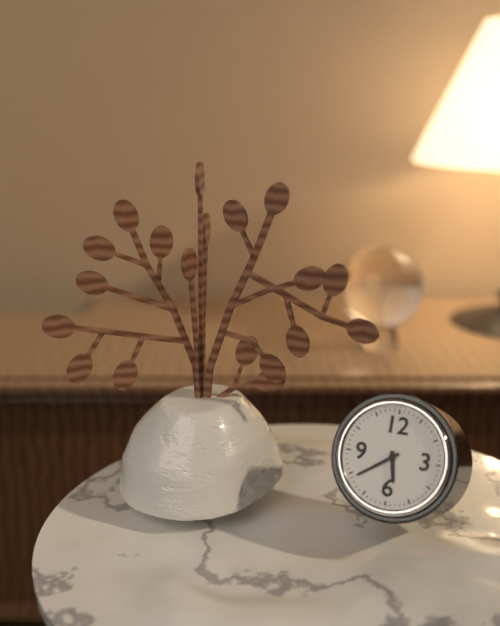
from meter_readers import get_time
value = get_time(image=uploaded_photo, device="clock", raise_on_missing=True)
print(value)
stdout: 5:39
